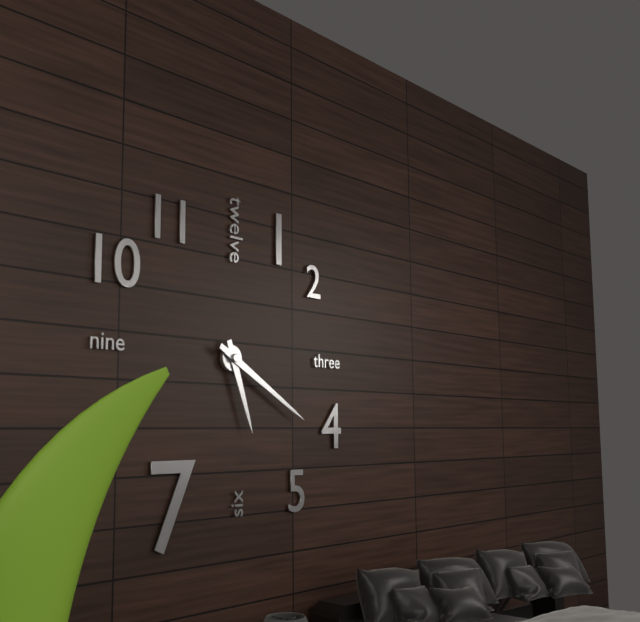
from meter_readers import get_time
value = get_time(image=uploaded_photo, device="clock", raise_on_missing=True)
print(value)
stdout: 5:20
